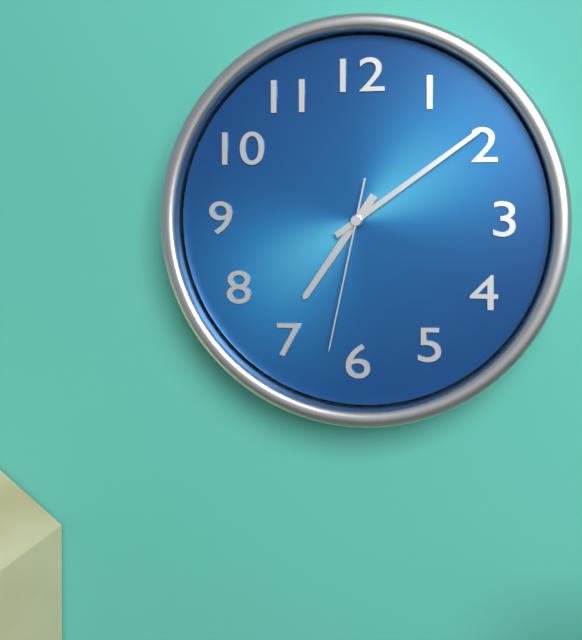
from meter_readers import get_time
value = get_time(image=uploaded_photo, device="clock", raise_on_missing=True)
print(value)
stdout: 7:09:32
